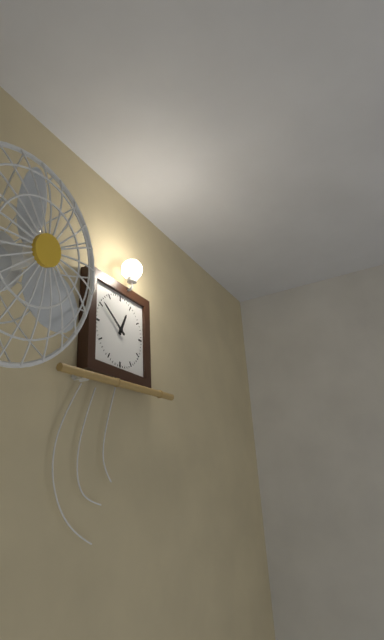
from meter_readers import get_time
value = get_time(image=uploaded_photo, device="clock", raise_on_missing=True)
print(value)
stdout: 12:51
